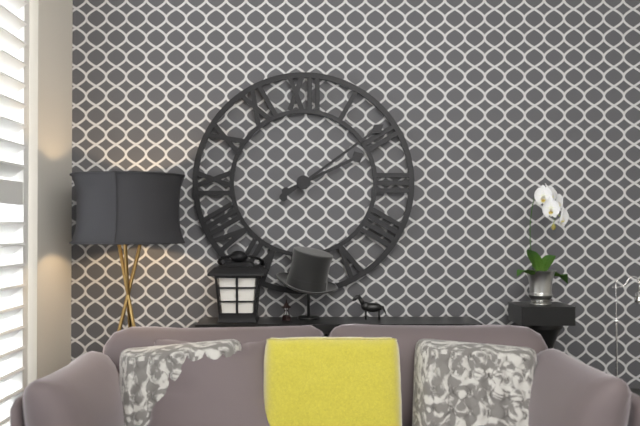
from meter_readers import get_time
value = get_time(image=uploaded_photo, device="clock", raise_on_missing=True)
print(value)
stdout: 2:09
